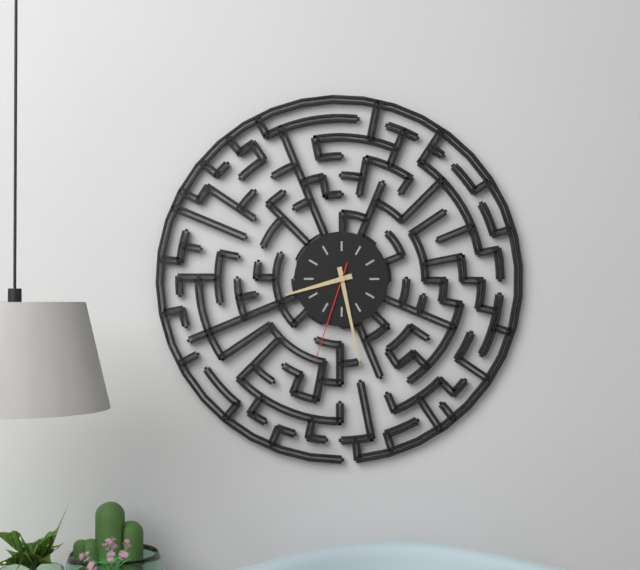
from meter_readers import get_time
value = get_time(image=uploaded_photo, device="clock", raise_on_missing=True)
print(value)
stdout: 8:28:33
